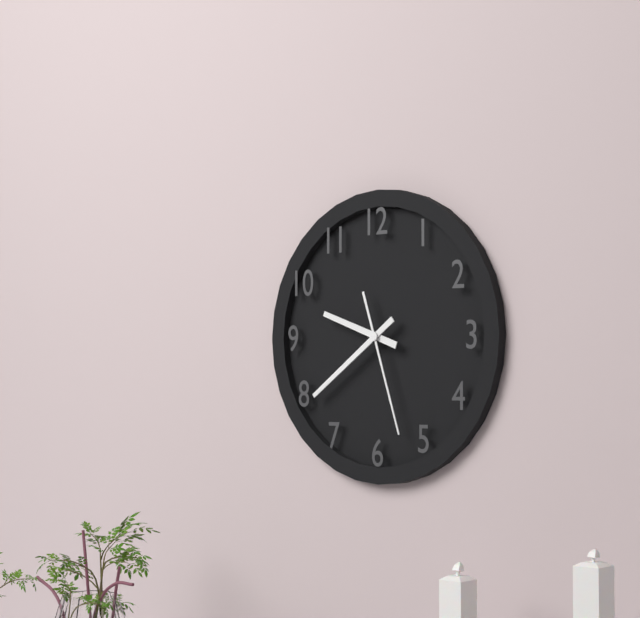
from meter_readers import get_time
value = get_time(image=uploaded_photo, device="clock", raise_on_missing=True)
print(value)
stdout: 9:39:27
